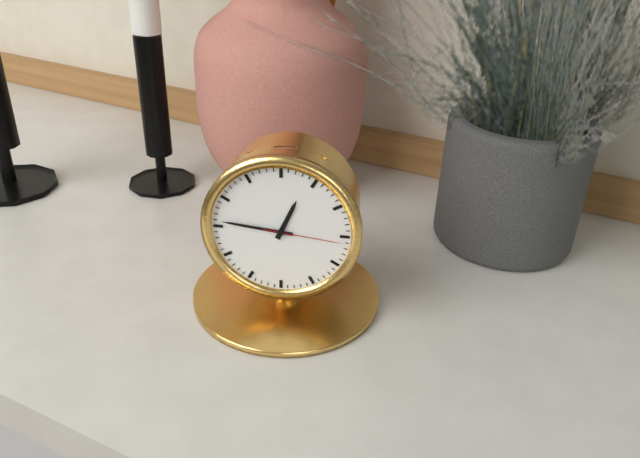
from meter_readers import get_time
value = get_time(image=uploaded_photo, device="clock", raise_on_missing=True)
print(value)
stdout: 12:46:16
